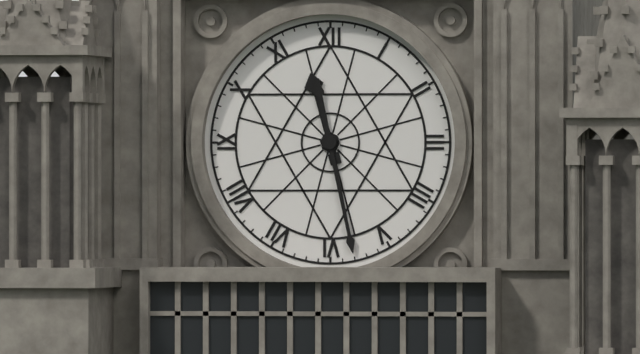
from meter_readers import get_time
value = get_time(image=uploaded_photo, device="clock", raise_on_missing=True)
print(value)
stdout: 11:28
